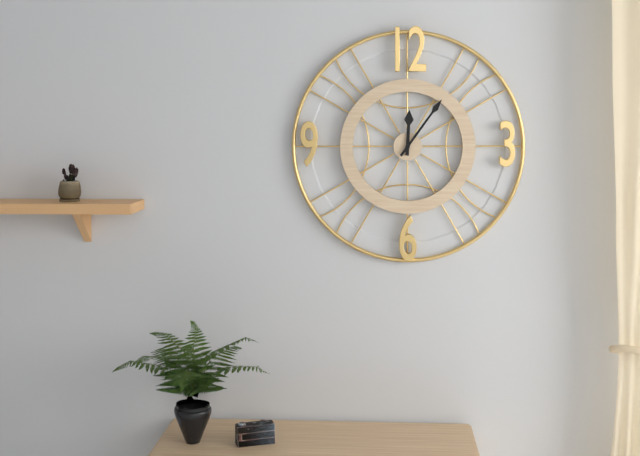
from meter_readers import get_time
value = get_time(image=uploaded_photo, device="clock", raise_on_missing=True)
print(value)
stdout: 12:06
